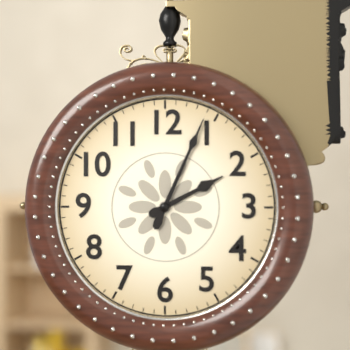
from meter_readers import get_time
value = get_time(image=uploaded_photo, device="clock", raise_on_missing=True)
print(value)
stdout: 2:04
